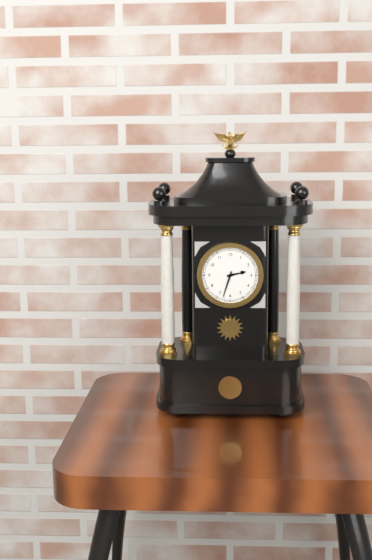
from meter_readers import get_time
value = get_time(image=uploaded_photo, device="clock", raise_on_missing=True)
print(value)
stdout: 2:33
